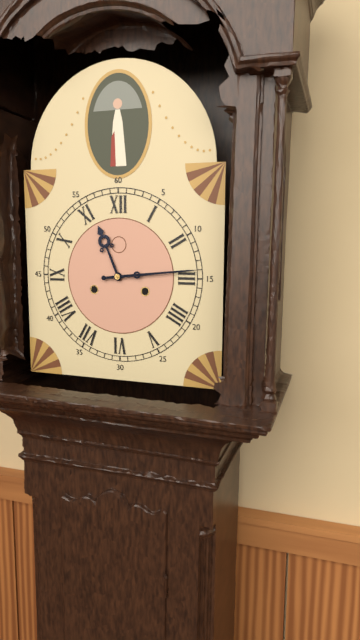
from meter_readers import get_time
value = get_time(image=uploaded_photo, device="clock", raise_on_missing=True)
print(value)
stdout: 11:14
